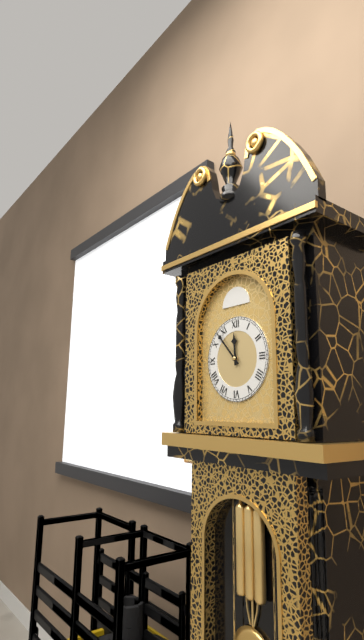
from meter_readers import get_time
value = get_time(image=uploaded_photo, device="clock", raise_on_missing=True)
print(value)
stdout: 11:53
